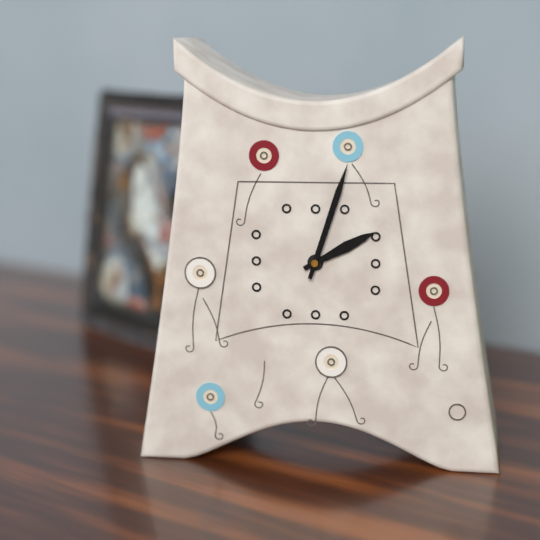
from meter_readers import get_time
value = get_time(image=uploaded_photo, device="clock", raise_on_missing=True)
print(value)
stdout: 2:03
